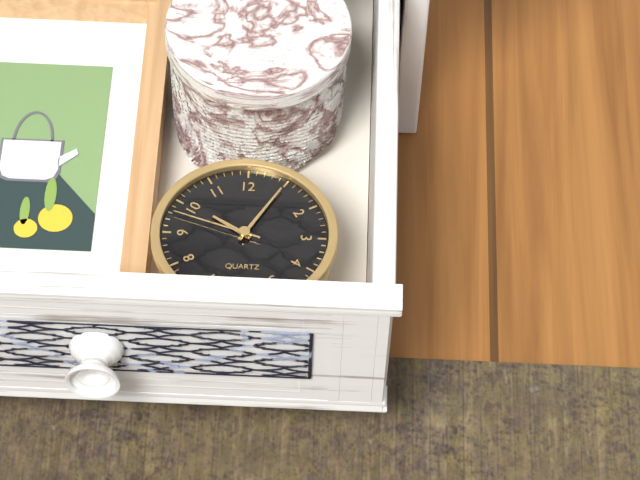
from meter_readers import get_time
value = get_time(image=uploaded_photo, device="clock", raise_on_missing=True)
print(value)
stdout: 10:05:48
